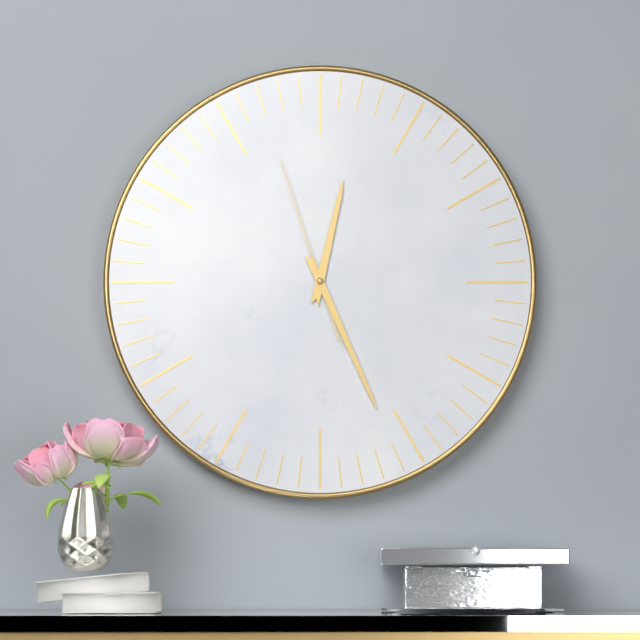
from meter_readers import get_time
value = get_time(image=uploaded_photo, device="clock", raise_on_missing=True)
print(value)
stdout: 12:26:57
